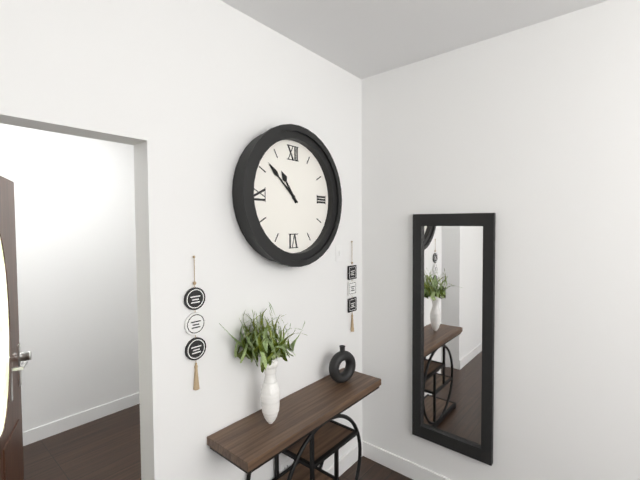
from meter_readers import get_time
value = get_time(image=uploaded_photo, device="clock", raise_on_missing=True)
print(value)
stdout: 10:52
